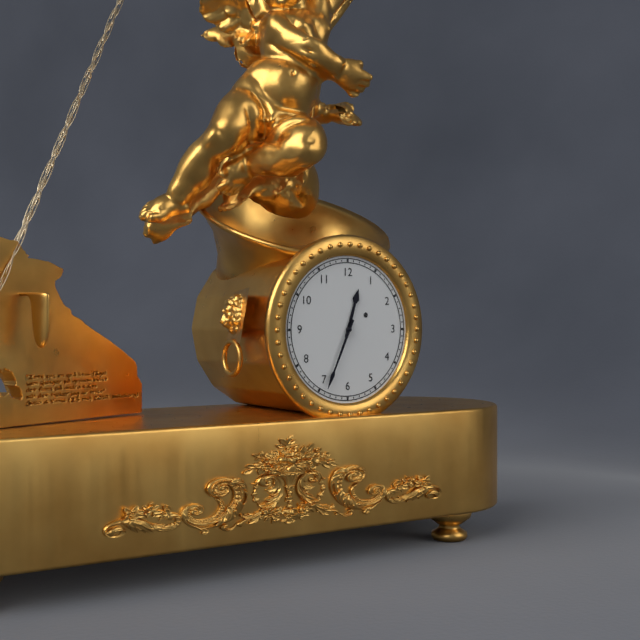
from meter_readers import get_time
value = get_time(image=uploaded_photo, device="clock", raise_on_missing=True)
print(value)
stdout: 12:34
